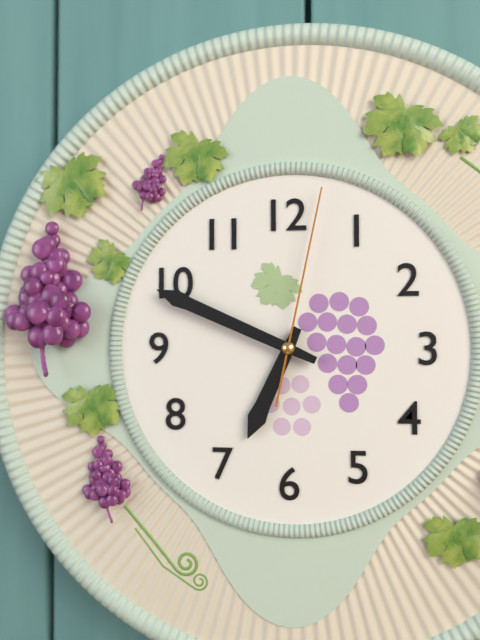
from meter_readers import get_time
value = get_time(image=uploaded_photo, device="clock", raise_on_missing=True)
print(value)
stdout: 6:49:02
